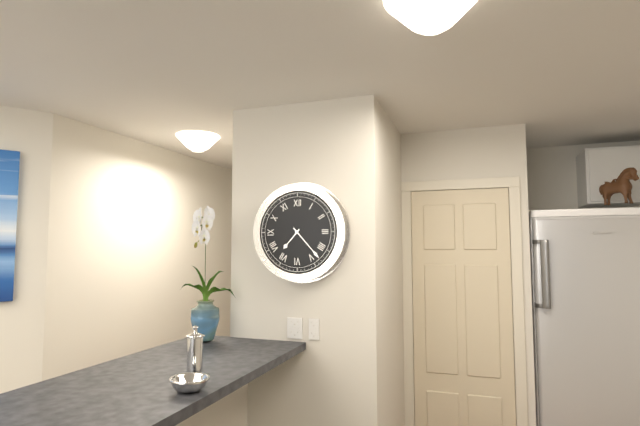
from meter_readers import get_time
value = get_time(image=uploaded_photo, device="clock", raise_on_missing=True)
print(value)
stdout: 7:23
